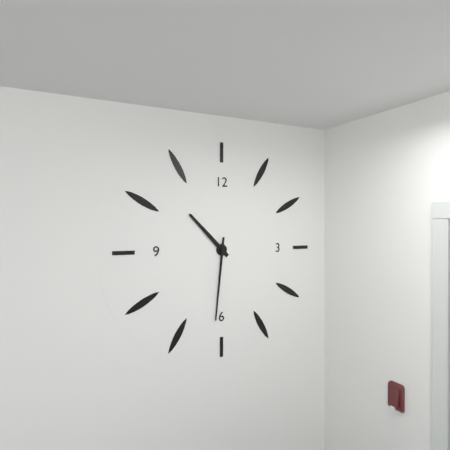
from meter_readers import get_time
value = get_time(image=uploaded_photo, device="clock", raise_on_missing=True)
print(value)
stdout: 10:31
